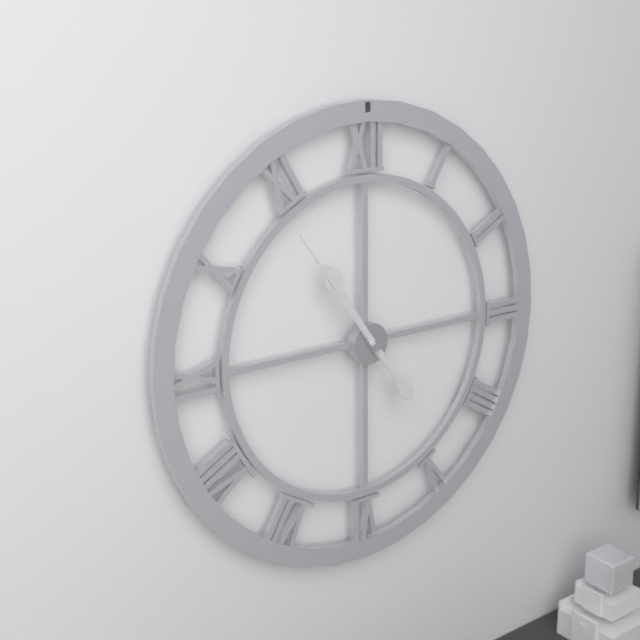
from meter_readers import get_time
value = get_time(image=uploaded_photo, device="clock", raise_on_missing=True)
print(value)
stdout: 10:54
